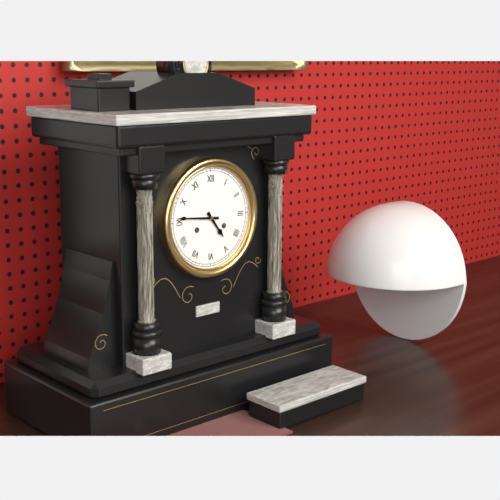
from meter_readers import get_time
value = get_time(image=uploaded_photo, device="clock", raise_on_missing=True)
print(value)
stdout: 4:46
